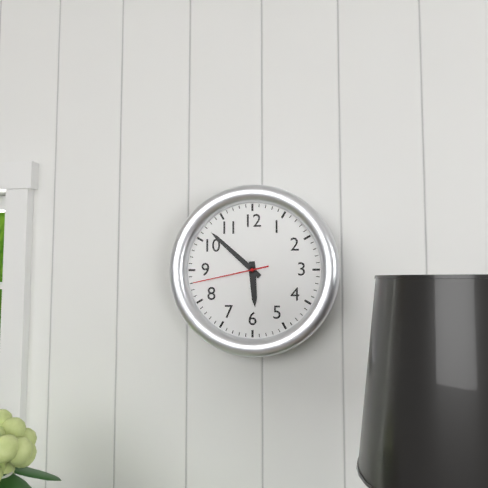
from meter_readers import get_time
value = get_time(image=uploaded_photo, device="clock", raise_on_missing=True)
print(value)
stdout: 5:52:43
